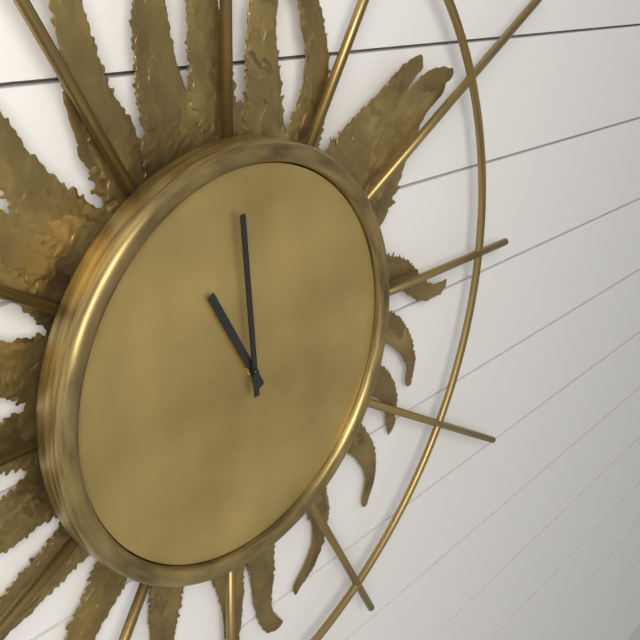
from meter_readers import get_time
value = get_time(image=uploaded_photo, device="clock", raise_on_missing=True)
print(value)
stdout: 10:59
